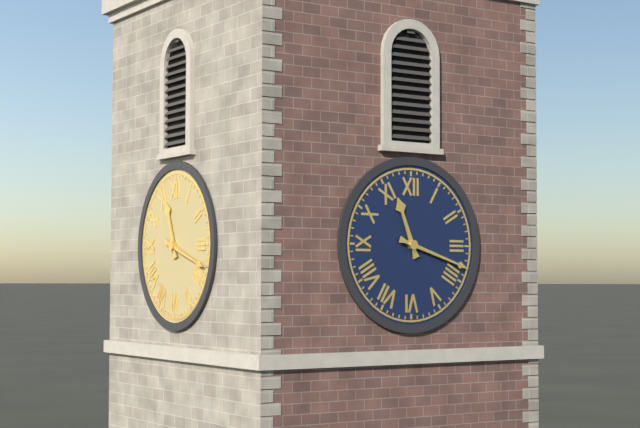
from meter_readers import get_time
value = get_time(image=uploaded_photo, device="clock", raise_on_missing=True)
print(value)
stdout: 11:18
